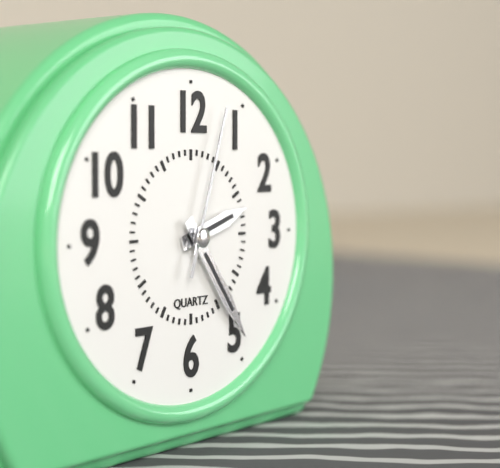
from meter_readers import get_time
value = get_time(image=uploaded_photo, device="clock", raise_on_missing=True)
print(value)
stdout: 2:24:03
